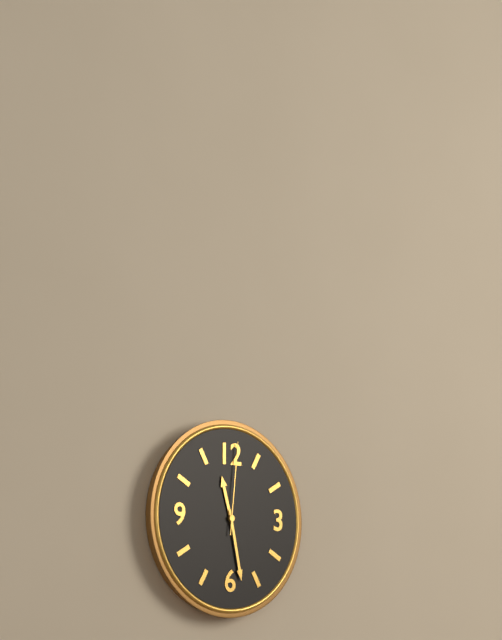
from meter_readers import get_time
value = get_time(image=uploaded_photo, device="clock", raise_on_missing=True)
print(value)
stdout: 11:28:01
